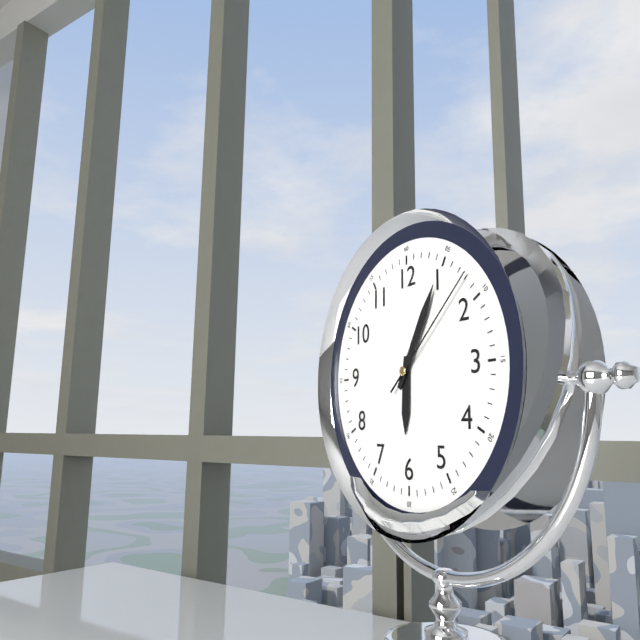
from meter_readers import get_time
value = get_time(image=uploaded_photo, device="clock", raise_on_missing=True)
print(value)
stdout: 6:05:08
